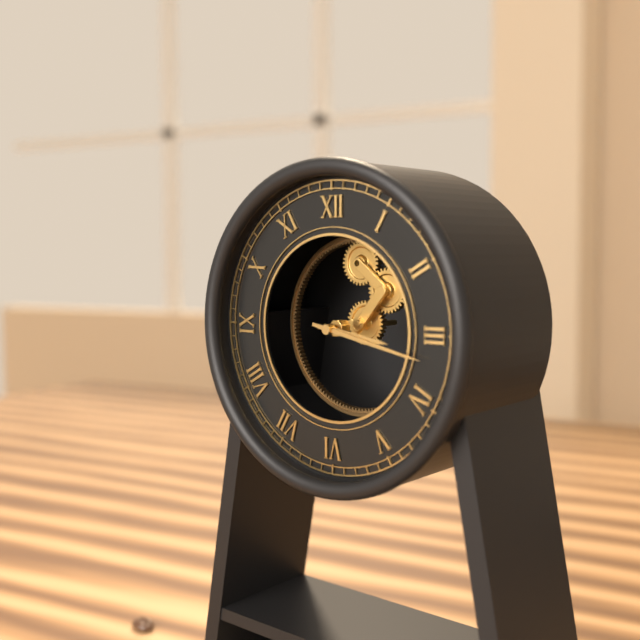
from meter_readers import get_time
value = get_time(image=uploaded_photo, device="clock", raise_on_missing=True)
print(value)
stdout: 3:17
